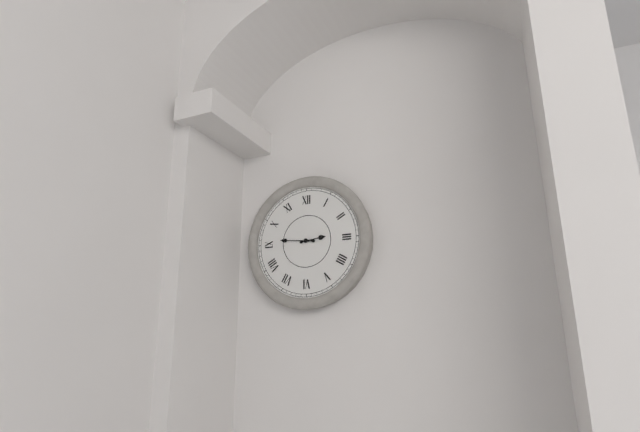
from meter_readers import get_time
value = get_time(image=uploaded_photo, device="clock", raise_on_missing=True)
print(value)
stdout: 2:46
